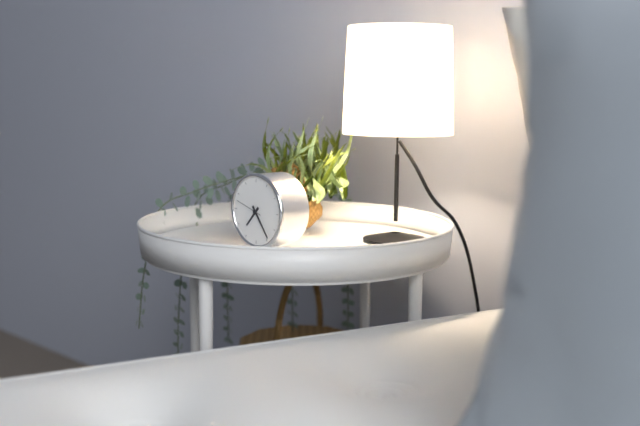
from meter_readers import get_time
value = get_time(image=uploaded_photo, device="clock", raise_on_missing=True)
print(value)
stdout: 7:24
